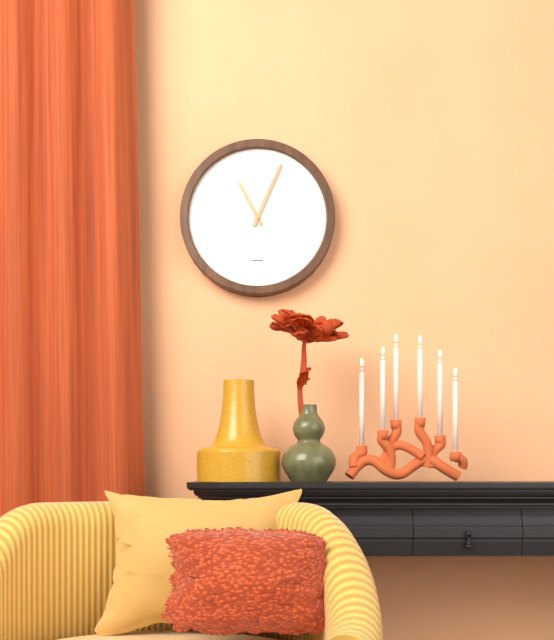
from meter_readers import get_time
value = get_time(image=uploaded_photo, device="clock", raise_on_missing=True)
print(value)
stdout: 11:04
